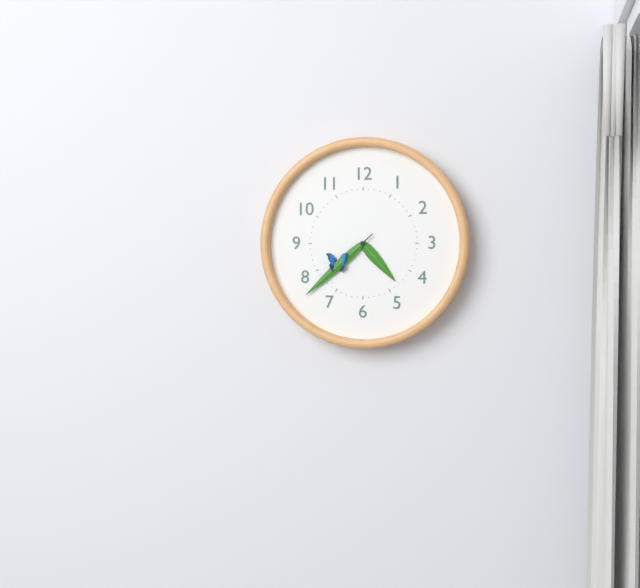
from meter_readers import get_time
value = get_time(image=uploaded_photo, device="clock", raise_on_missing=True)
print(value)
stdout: 4:38
